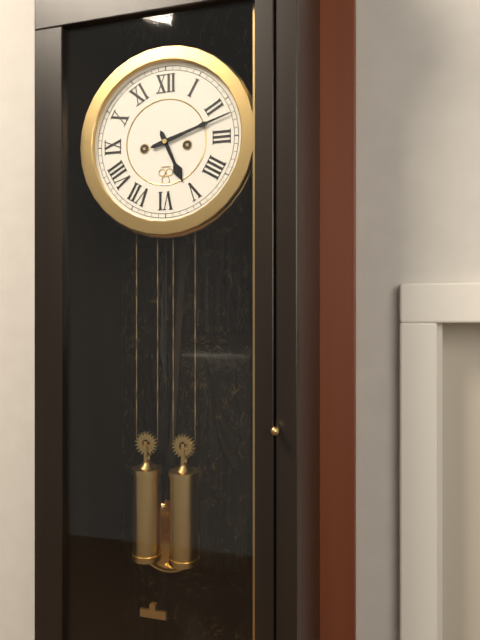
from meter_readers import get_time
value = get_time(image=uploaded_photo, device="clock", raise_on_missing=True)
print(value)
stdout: 5:12
